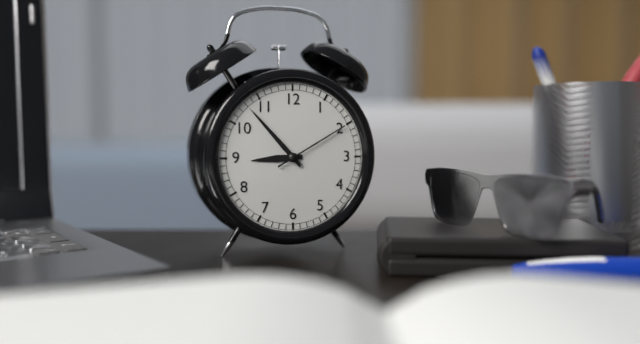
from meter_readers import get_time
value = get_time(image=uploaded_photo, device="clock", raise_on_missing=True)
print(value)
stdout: 8:53:10
